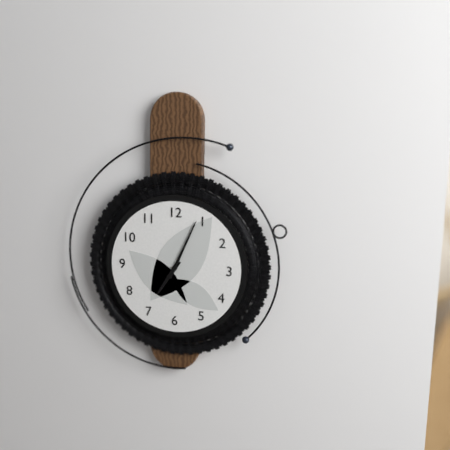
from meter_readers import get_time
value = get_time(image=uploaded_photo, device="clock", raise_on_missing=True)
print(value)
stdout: 7:04
